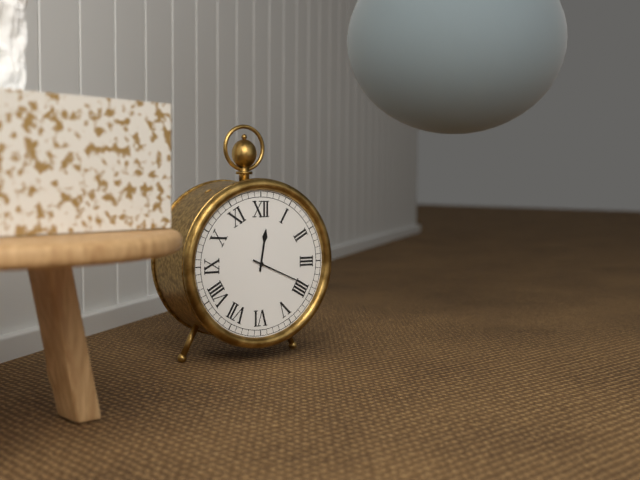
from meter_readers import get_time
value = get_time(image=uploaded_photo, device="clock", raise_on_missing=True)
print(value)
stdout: 12:19
